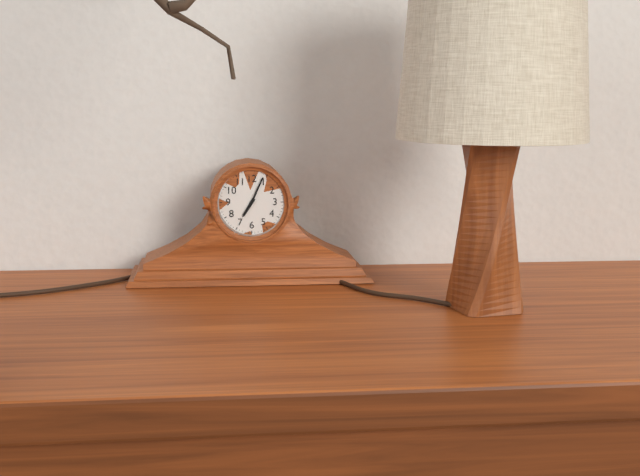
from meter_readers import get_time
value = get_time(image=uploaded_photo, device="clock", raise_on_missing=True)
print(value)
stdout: 7:04
